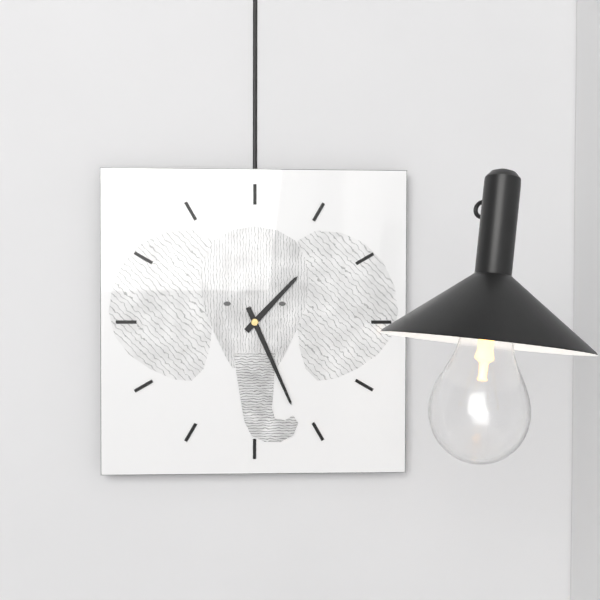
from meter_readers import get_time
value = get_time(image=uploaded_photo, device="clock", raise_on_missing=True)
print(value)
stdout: 1:26
